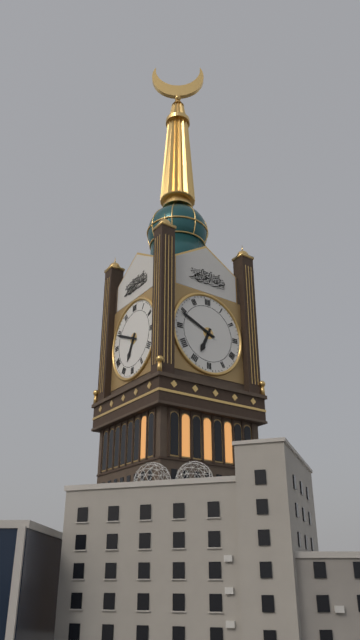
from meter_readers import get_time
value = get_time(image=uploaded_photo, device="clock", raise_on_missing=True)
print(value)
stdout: 6:49
